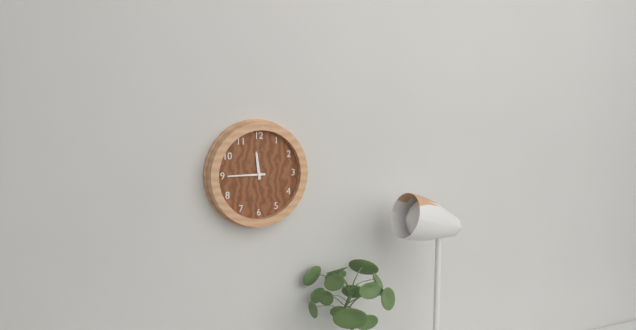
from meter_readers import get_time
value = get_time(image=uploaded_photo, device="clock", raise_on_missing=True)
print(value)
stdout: 11:45
